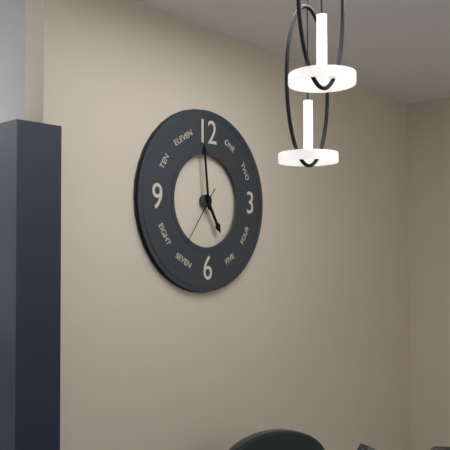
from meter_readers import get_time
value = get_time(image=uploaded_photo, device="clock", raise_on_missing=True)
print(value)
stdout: 4:59:36
